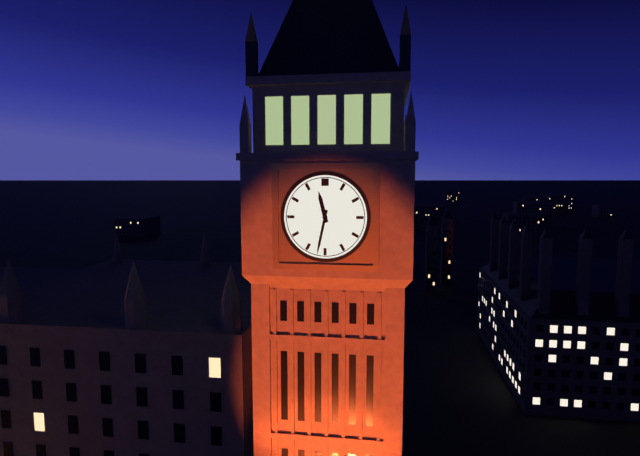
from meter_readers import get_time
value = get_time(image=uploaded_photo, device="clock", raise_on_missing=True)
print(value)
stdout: 11:32
